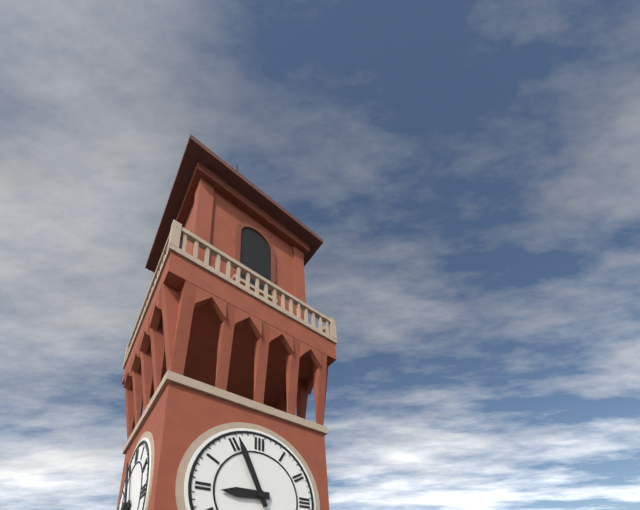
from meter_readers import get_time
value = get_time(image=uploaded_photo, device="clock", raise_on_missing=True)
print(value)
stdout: 8:56
